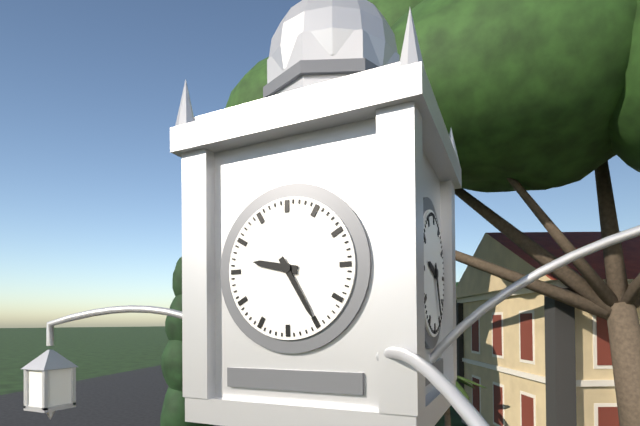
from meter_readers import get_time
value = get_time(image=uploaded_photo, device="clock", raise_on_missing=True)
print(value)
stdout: 9:25
